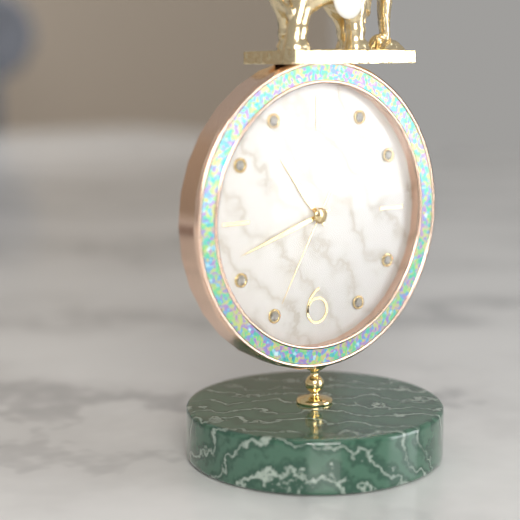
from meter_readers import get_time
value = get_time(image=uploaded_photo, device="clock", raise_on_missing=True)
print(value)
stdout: 10:42:35
